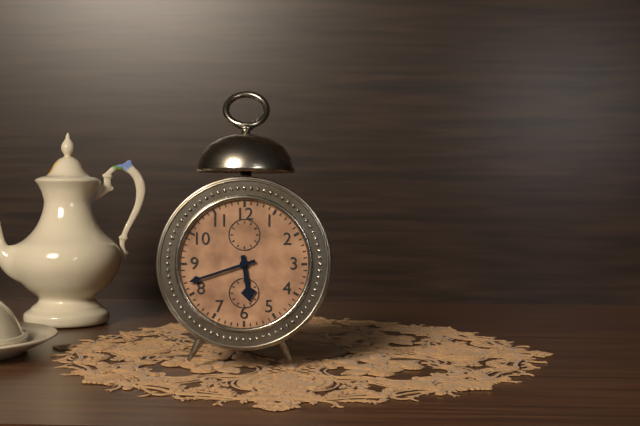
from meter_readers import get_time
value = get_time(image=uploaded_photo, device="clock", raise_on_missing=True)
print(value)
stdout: 5:42
